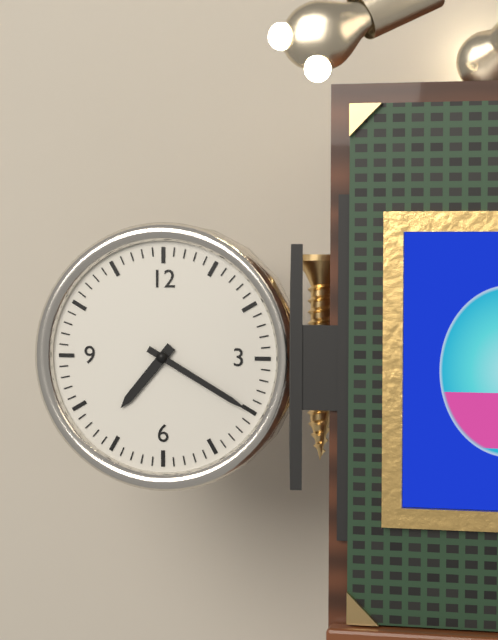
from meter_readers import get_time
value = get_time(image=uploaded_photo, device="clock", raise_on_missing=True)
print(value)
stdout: 7:20
